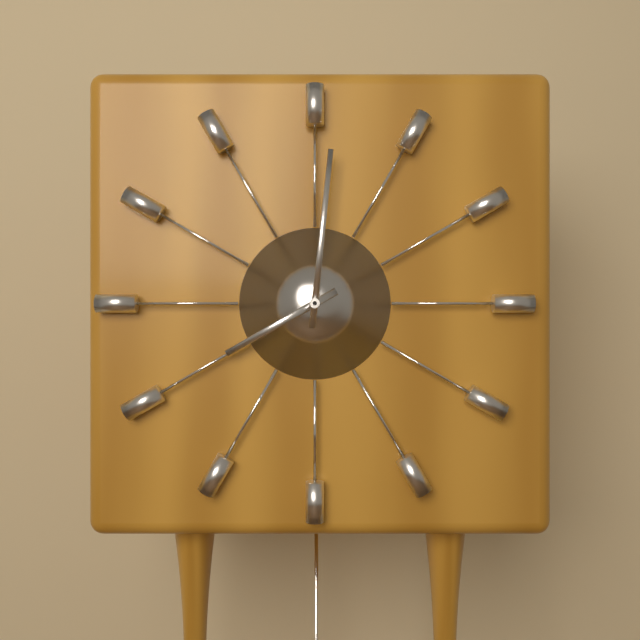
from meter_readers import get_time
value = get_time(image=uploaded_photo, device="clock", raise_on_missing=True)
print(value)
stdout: 8:01
